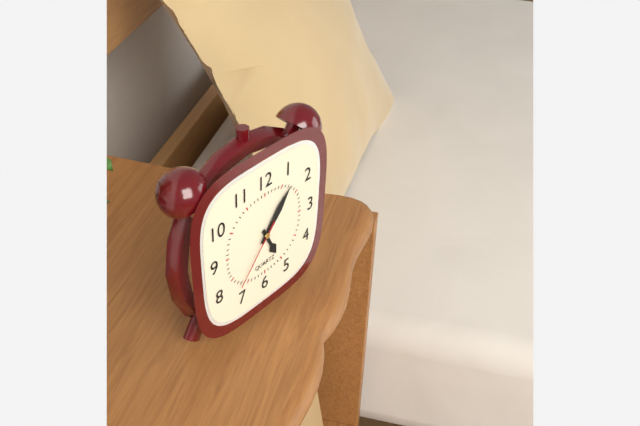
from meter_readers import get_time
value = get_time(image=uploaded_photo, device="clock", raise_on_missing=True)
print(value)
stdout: 5:07:37
